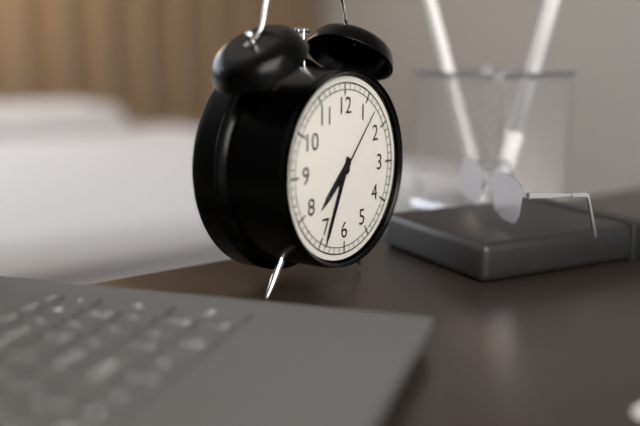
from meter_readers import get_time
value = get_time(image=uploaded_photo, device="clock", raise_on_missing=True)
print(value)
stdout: 7:34:07
